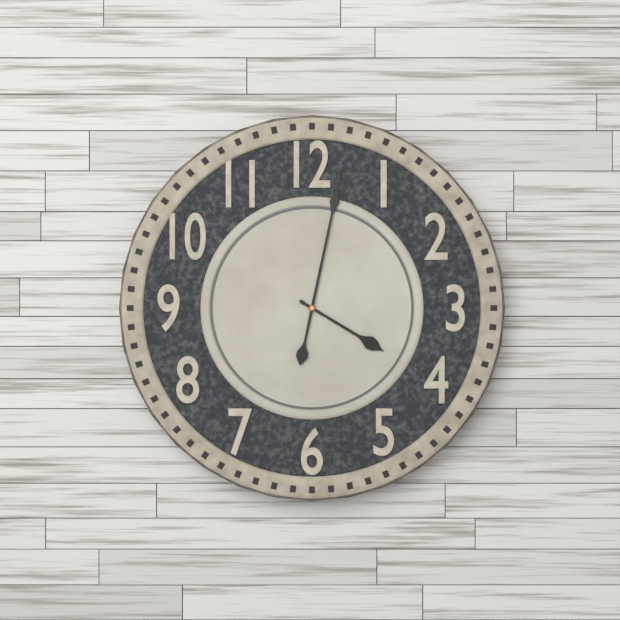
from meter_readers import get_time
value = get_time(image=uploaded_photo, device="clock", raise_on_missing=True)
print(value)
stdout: 4:02
